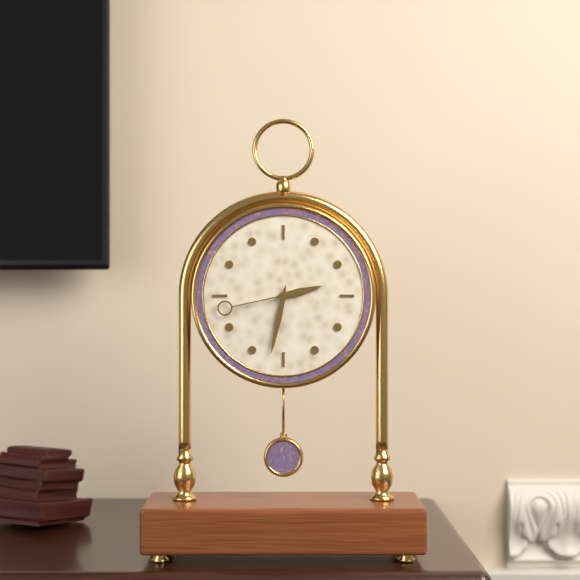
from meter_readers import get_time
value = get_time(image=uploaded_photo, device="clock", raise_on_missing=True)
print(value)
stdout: 2:32:43
